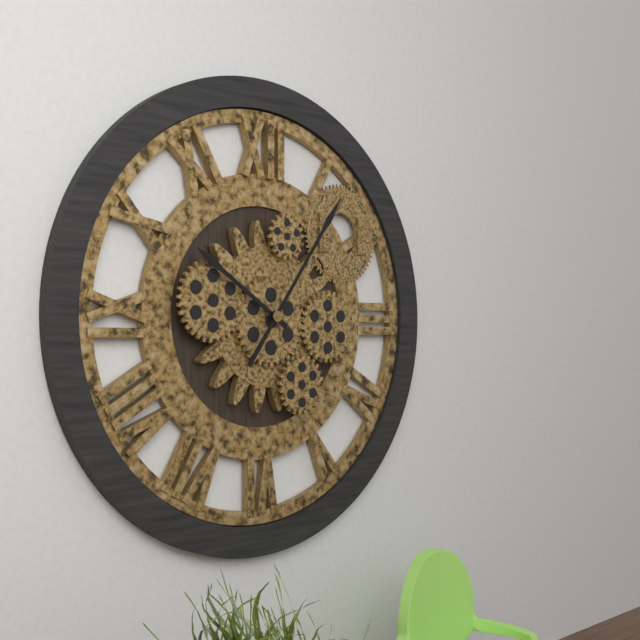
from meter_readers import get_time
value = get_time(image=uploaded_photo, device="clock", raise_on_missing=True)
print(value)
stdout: 10:06
